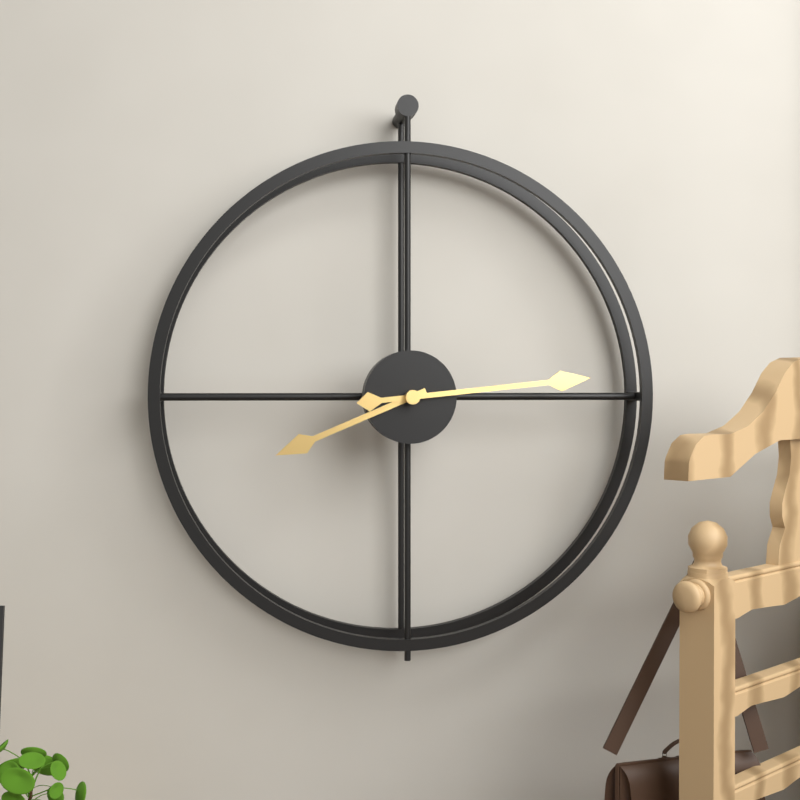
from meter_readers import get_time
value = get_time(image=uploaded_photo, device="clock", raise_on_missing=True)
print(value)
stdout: 8:14
